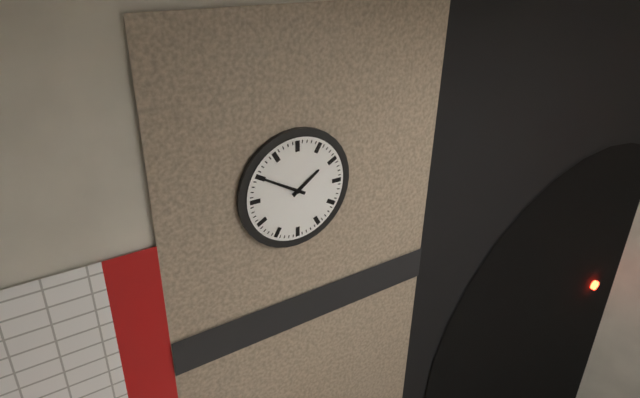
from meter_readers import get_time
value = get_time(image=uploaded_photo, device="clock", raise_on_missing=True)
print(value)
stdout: 1:50
